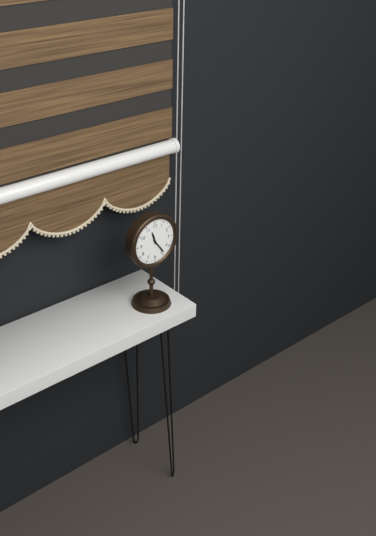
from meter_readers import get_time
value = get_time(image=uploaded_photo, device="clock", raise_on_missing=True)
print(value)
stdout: 11:24
